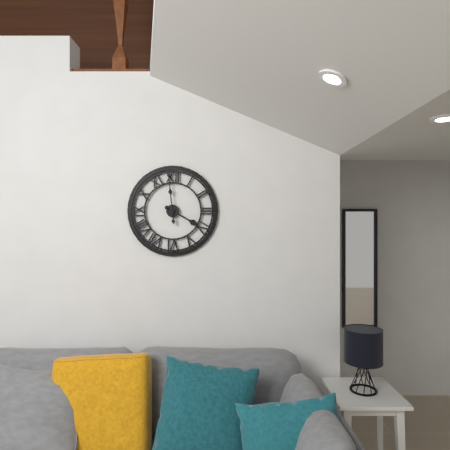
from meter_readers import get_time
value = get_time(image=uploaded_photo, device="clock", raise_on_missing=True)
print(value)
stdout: 3:59
